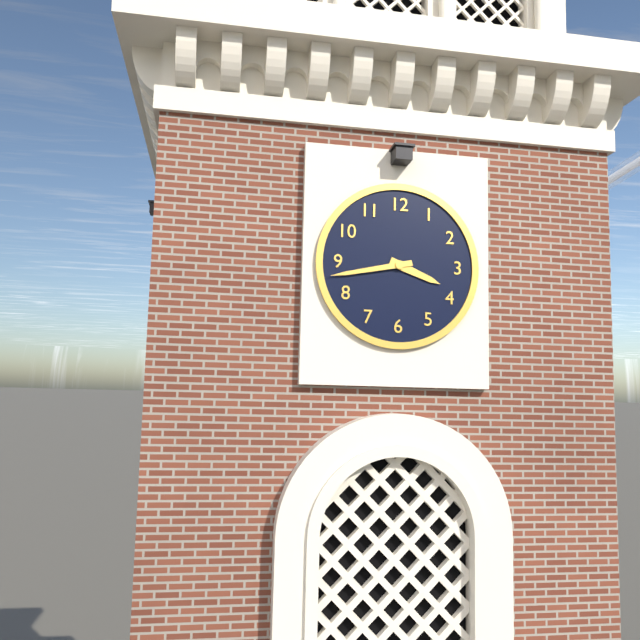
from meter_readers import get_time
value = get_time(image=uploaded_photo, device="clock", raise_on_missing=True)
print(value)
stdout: 3:43
